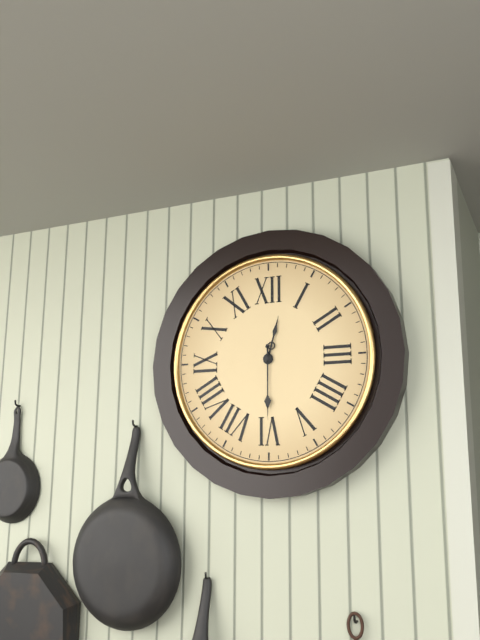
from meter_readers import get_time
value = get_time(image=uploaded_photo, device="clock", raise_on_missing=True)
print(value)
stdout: 12:30
